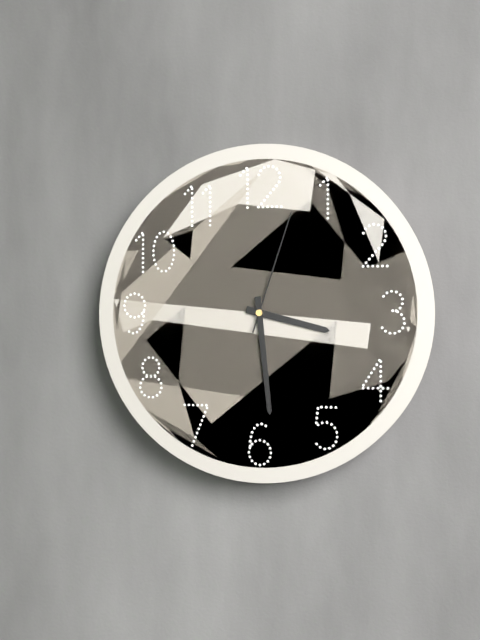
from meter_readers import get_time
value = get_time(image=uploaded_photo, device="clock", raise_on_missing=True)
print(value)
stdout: 3:29:03
